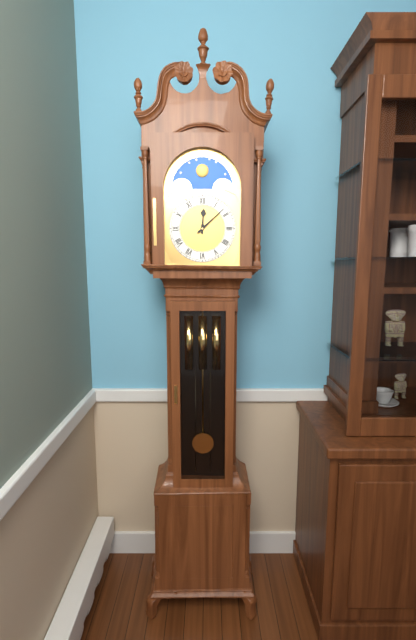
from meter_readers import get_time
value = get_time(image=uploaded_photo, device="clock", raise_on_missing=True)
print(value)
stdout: 12:08
